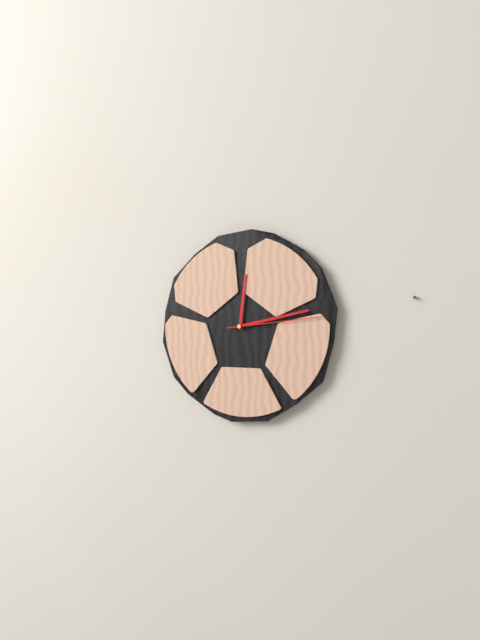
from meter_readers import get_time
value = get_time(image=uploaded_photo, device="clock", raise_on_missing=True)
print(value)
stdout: 12:13:14
